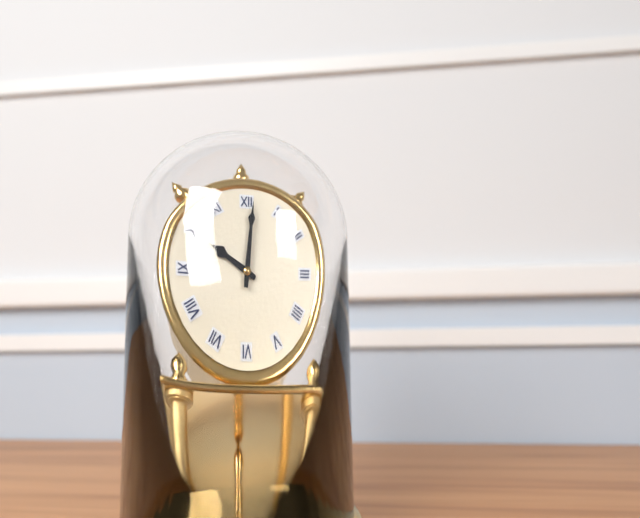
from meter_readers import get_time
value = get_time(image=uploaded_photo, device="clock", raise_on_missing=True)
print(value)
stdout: 10:01
